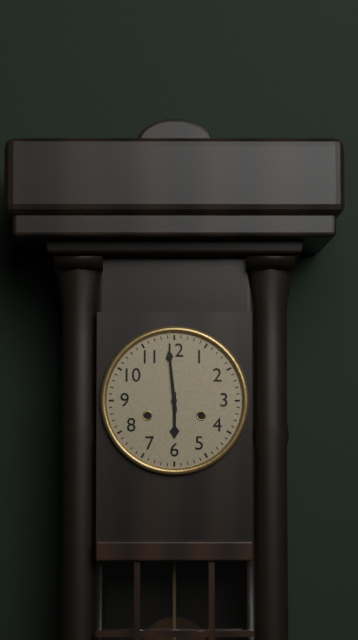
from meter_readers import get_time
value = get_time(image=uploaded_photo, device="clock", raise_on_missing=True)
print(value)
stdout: 5:59
